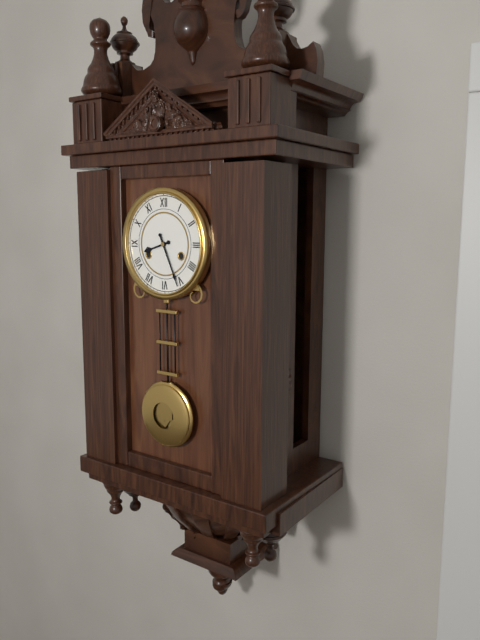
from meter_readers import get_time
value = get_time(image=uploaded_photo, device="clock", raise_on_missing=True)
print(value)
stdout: 8:26
